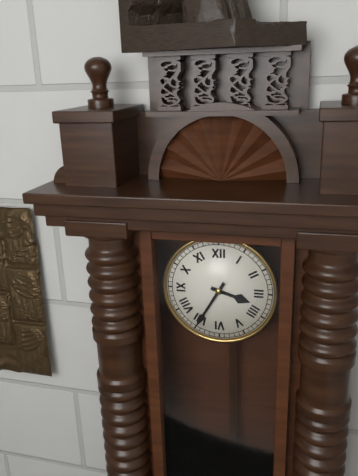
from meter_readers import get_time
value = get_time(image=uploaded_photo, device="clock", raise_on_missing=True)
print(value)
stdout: 3:35
